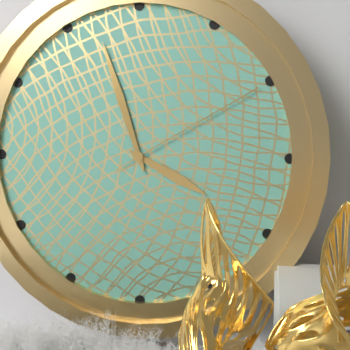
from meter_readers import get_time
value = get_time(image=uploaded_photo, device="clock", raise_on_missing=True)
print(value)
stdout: 3:57:10
